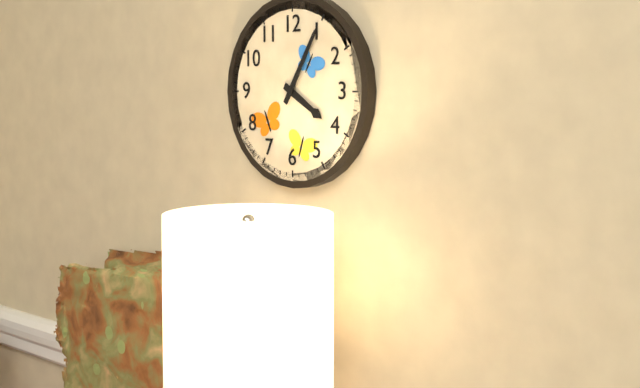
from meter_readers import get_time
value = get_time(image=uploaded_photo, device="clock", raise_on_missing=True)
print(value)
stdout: 4:05
